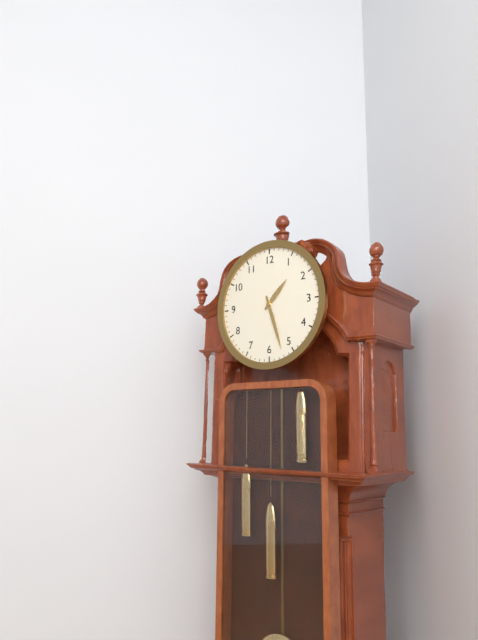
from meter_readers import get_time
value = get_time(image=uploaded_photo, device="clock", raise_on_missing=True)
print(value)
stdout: 1:27
